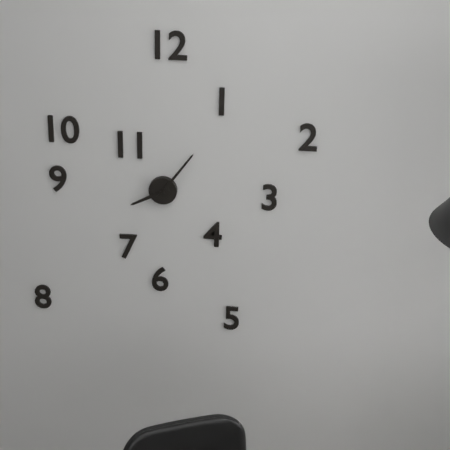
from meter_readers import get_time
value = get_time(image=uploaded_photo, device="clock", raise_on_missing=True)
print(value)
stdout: 8:06
